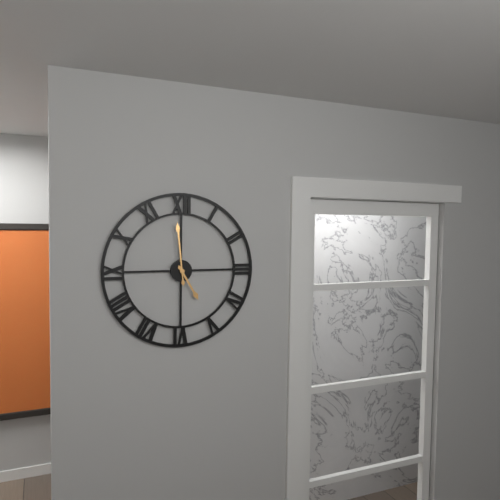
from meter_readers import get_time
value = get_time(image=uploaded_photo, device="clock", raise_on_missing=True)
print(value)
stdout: 4:59
